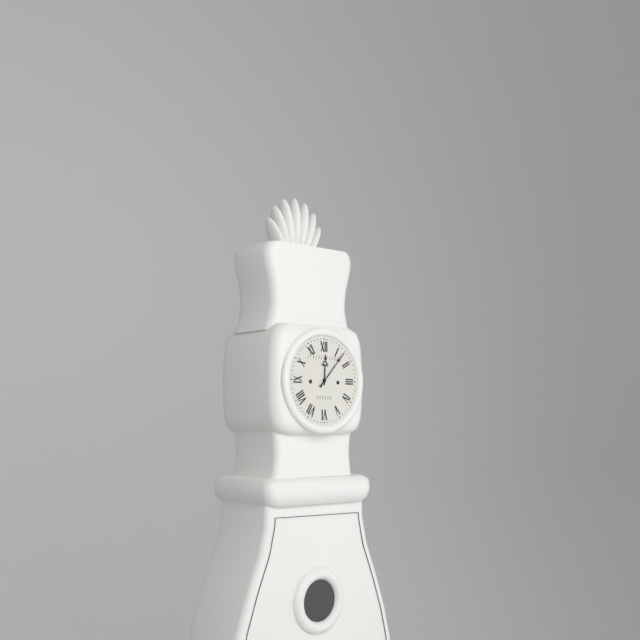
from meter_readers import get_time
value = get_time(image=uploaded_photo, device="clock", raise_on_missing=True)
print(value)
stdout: 12:07
